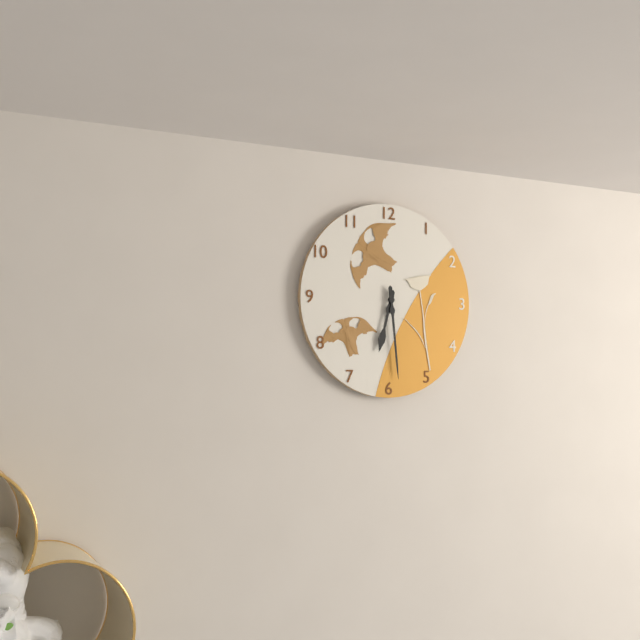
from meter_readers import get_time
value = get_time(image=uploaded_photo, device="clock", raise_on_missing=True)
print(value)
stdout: 6:29
